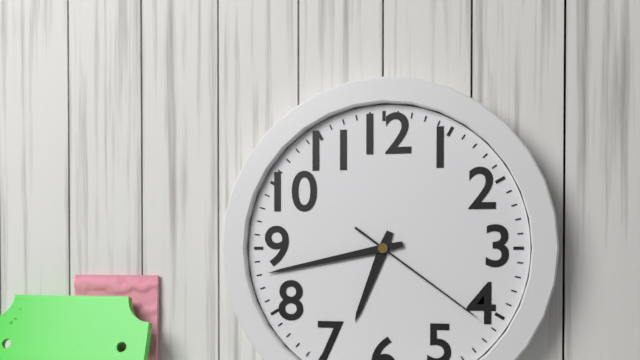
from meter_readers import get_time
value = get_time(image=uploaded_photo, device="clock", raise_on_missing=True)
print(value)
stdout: 6:43:21
